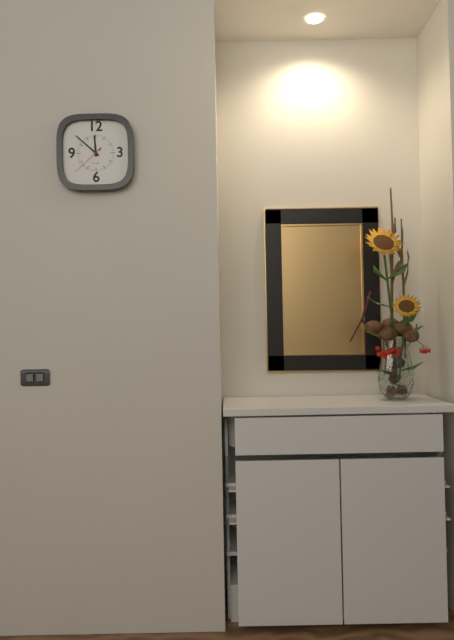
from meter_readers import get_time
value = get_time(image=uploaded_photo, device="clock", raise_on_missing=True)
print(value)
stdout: 11:52
